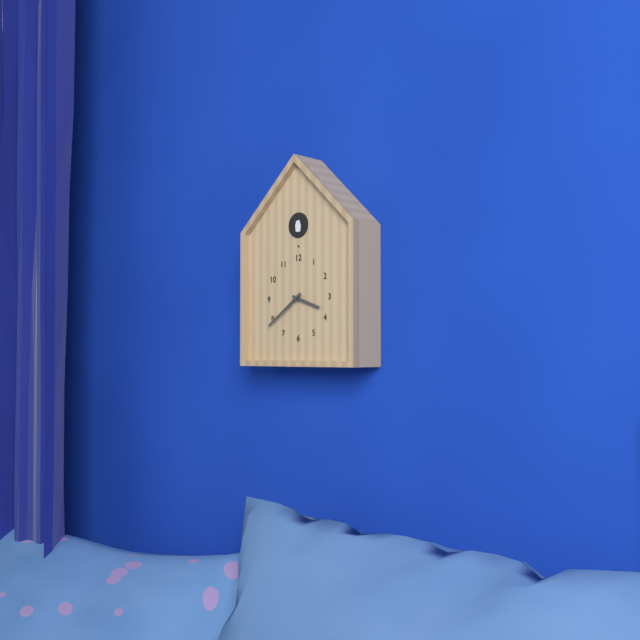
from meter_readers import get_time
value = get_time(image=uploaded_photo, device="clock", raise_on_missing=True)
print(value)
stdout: 3:39
